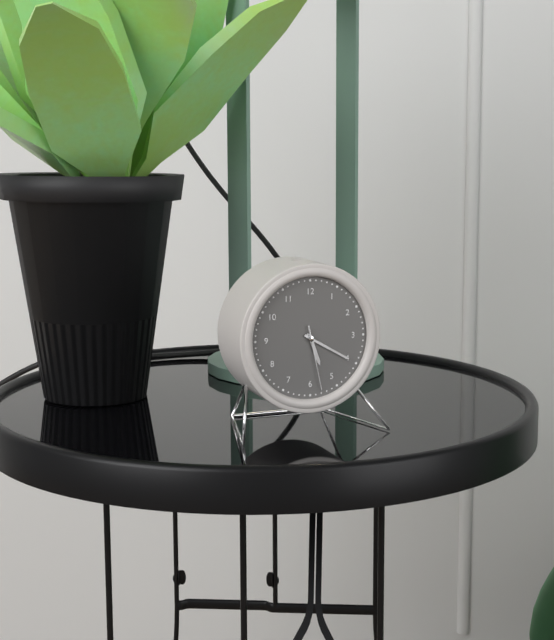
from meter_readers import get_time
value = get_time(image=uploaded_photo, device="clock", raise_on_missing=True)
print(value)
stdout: 5:20:28
